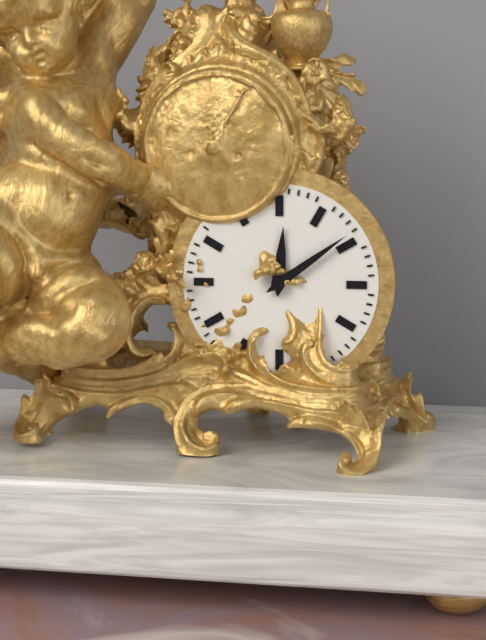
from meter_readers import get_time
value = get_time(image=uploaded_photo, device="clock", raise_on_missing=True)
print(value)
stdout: 12:09
